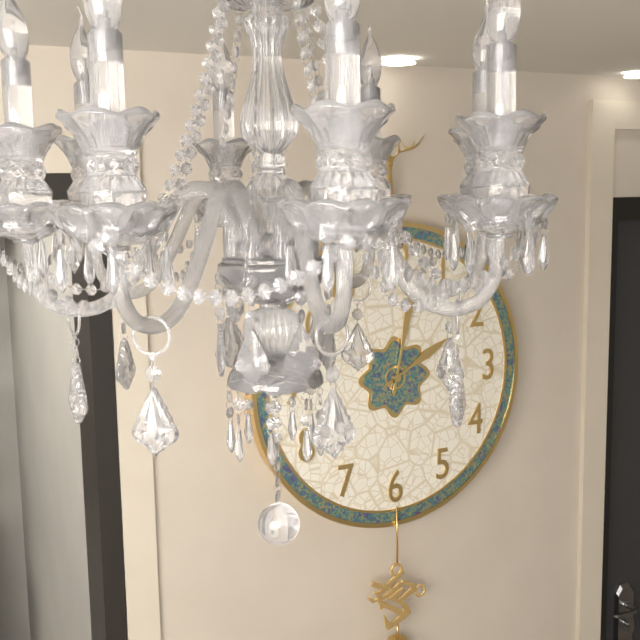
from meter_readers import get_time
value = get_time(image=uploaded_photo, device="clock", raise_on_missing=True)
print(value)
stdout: 2:02
